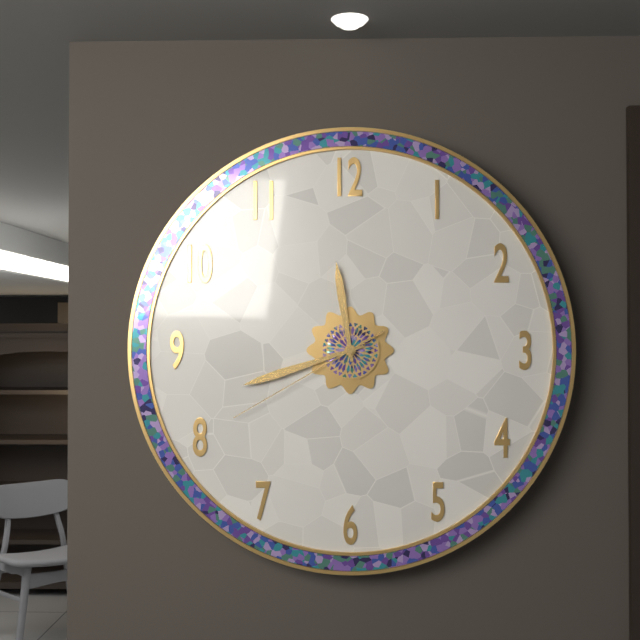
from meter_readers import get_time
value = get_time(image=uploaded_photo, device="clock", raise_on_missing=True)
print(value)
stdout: 11:42:40
